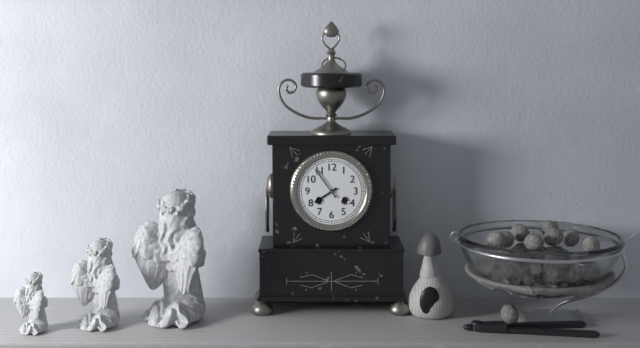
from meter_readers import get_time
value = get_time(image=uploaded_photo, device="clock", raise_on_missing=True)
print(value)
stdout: 7:54
